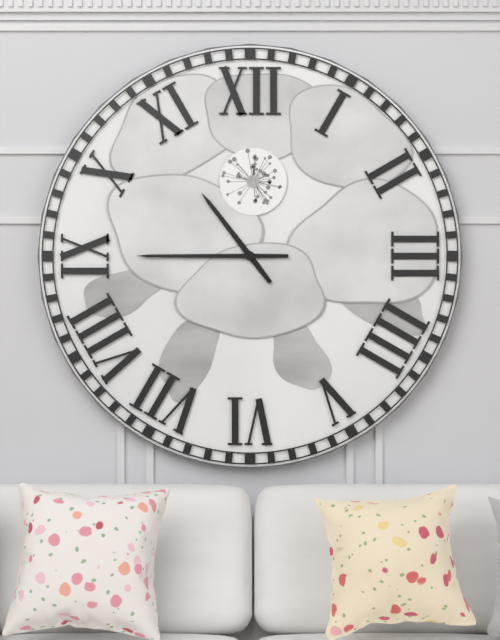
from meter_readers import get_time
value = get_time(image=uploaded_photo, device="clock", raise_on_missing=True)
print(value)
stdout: 10:45
